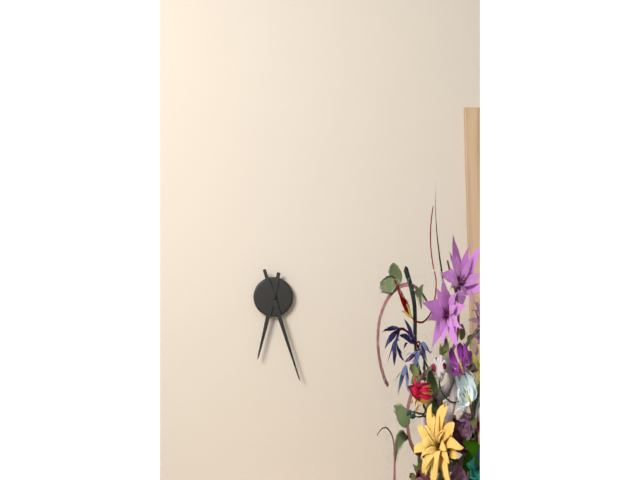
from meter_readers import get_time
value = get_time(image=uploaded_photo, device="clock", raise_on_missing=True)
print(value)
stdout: 6:27
